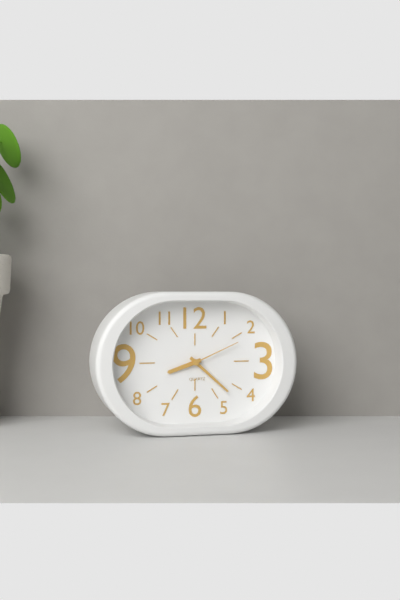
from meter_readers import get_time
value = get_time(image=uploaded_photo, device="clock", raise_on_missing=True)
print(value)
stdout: 8:22:11
